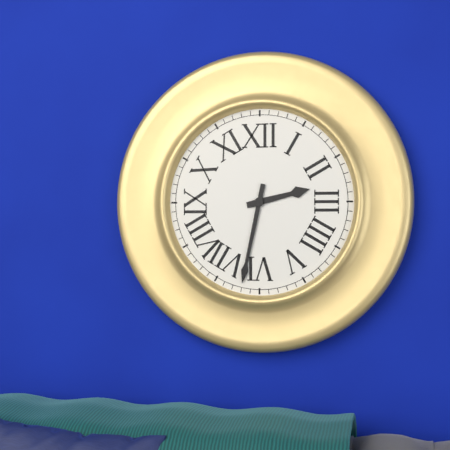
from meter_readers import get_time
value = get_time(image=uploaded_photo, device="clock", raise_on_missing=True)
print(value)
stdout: 2:32
